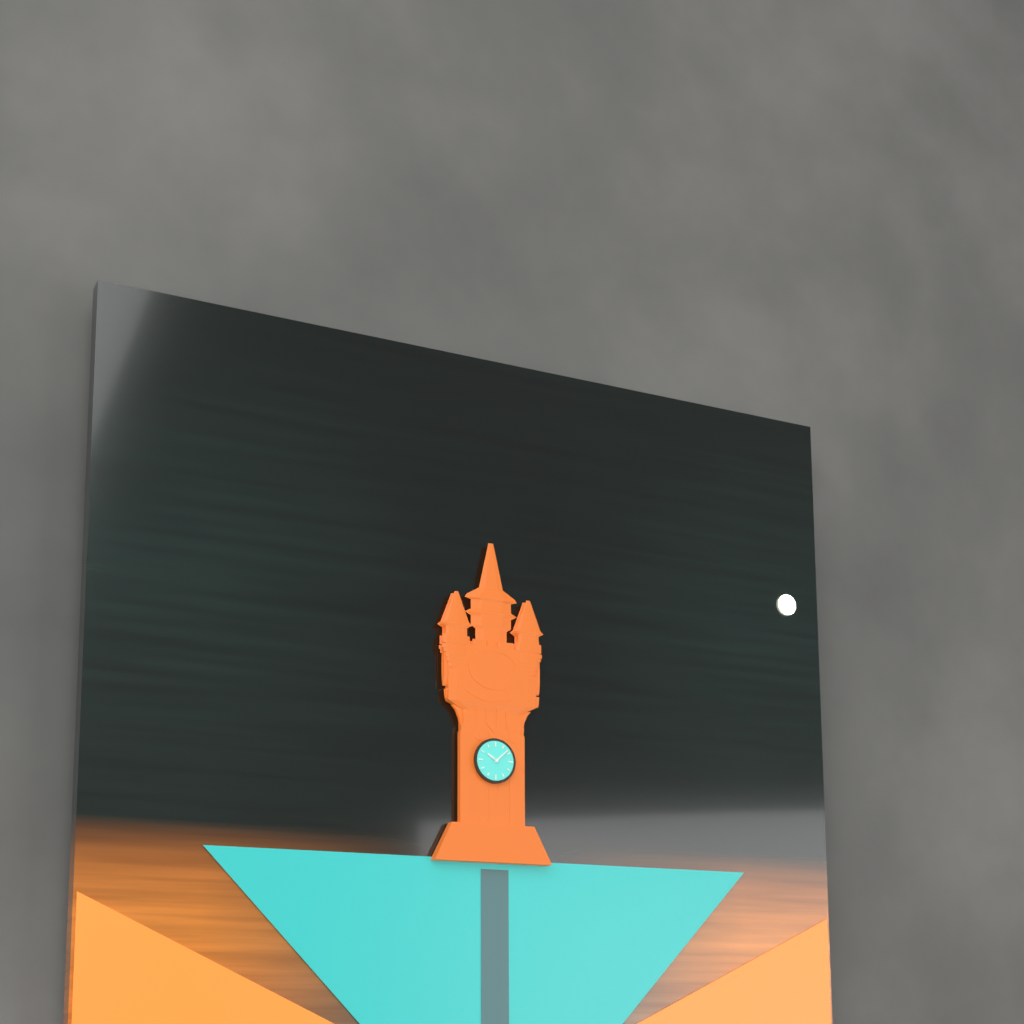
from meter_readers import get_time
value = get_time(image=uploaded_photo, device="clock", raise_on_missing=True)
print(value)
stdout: 10:08
